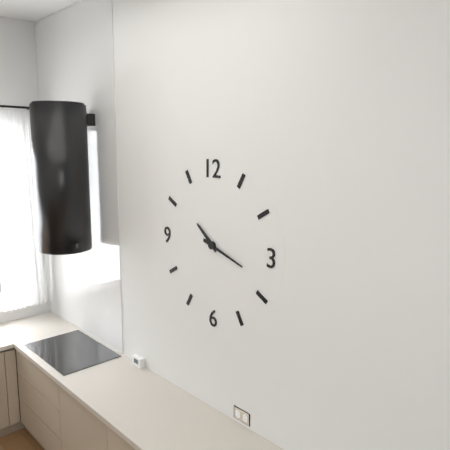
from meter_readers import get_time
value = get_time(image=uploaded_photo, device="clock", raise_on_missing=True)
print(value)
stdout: 10:18
